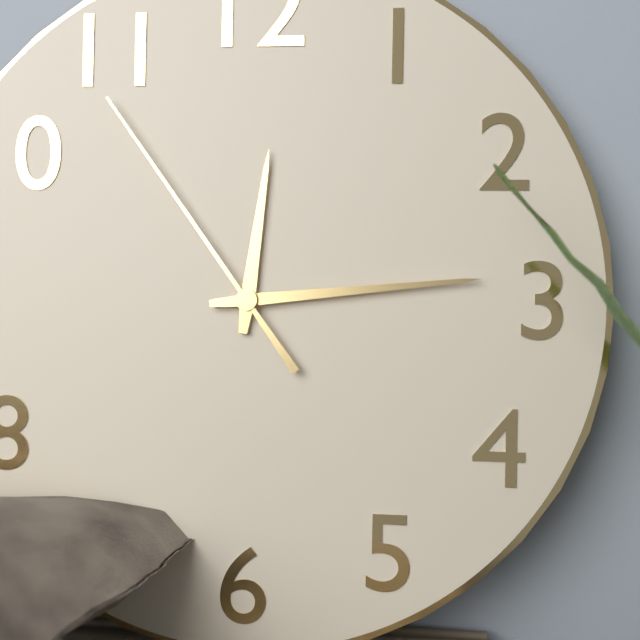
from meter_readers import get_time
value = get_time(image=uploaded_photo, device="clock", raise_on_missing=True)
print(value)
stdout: 12:14:54
